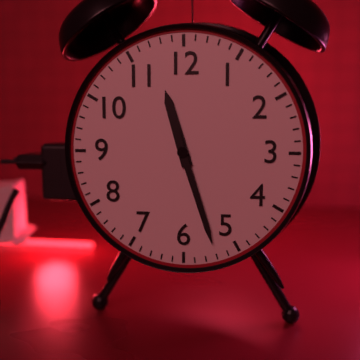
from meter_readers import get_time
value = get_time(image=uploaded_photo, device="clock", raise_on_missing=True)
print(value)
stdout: 11:27
